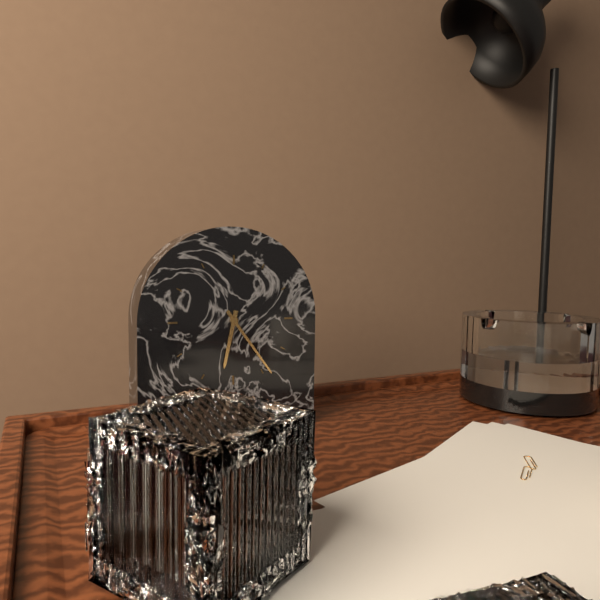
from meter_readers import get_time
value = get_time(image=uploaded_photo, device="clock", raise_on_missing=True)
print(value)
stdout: 6:24
